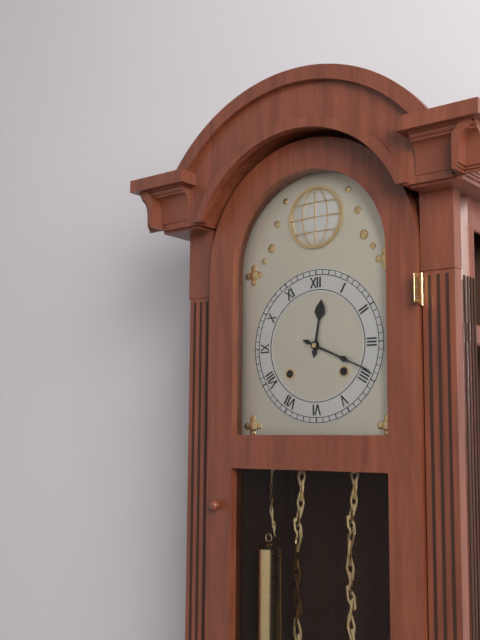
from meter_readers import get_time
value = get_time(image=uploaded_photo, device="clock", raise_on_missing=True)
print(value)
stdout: 12:19
